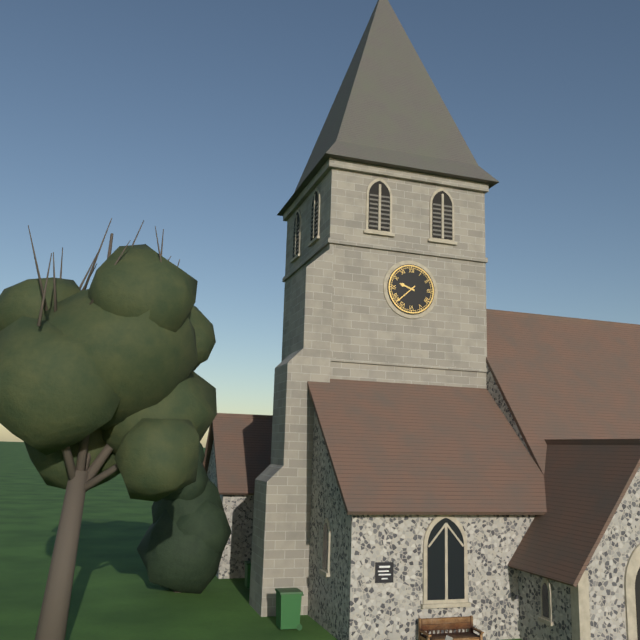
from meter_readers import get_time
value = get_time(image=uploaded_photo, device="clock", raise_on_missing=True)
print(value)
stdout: 9:38
